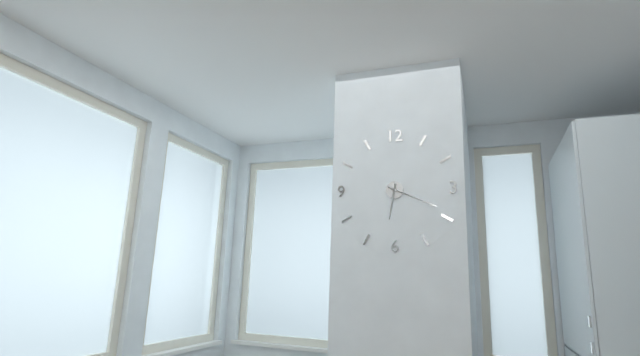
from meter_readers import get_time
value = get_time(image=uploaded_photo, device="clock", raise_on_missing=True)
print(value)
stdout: 6:19
